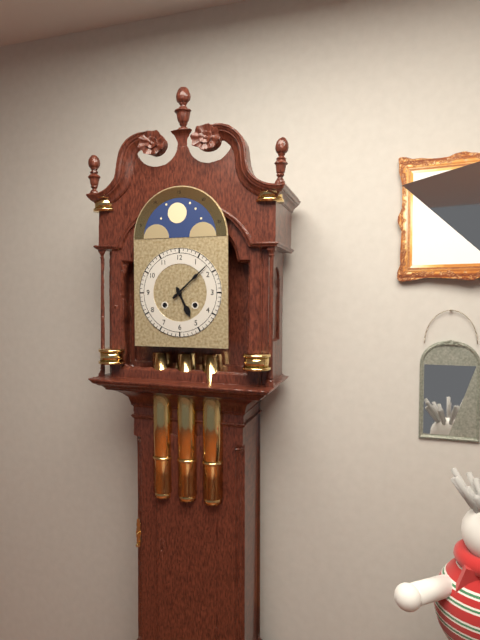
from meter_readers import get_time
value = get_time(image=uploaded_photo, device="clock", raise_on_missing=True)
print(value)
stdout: 5:08
